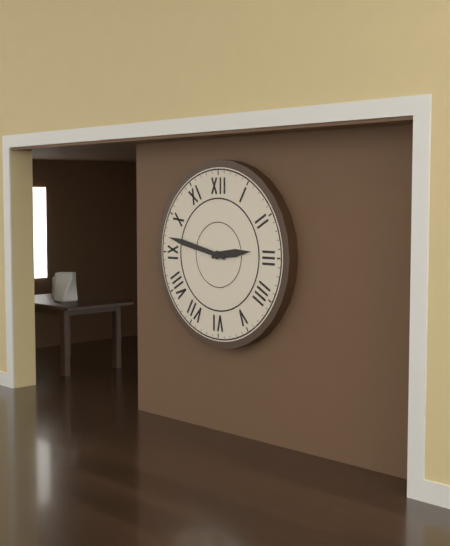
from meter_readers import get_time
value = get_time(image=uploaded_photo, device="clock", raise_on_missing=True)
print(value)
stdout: 2:47
